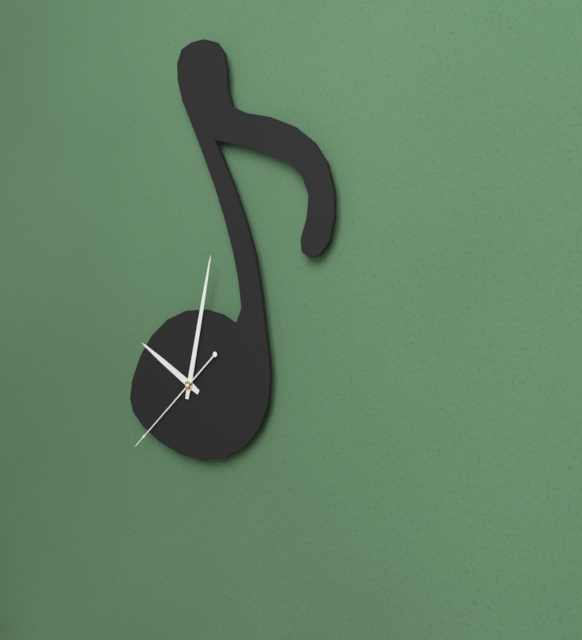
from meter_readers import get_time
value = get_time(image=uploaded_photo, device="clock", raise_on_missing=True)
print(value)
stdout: 10:02:38
